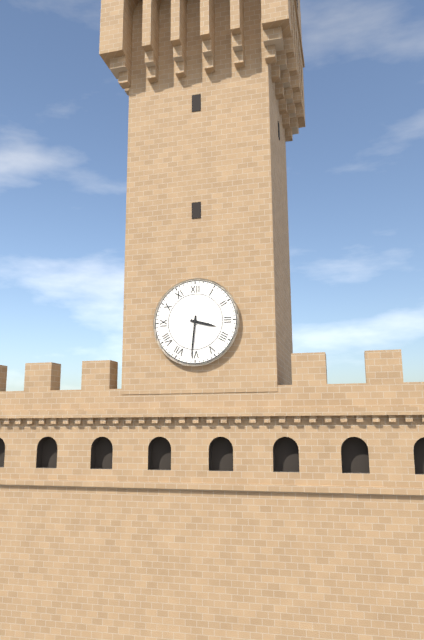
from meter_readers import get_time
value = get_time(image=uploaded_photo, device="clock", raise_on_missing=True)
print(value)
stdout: 3:31
